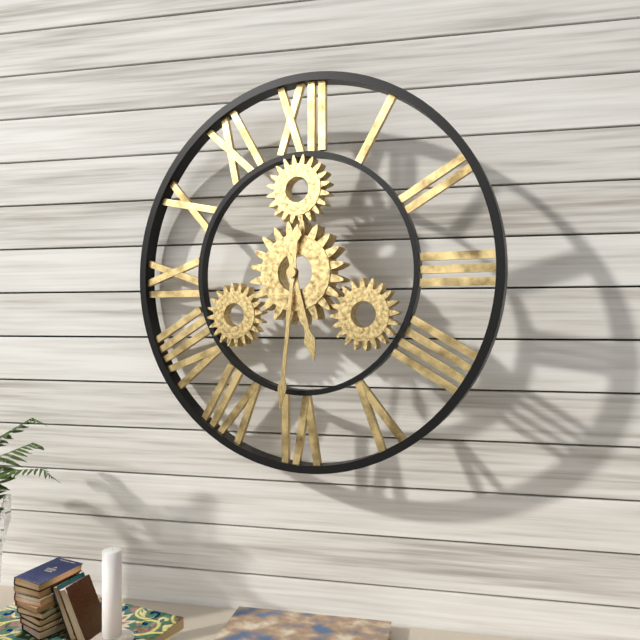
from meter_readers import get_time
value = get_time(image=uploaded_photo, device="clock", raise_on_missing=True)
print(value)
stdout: 5:31
